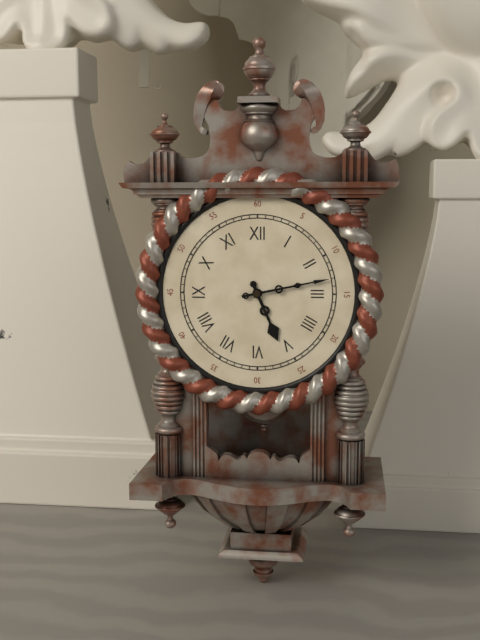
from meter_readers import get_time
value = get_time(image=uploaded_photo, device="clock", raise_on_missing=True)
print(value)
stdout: 5:13
